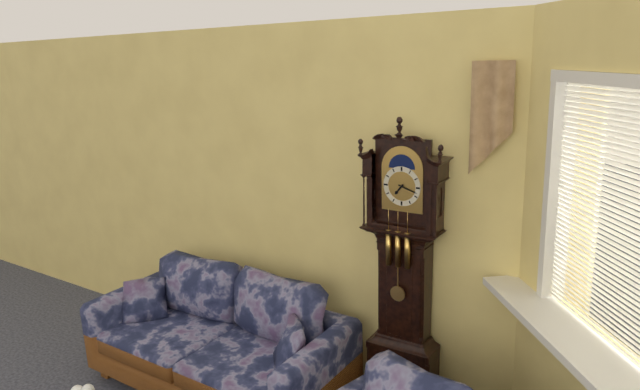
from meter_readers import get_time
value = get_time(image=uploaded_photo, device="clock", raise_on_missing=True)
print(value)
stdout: 7:18
